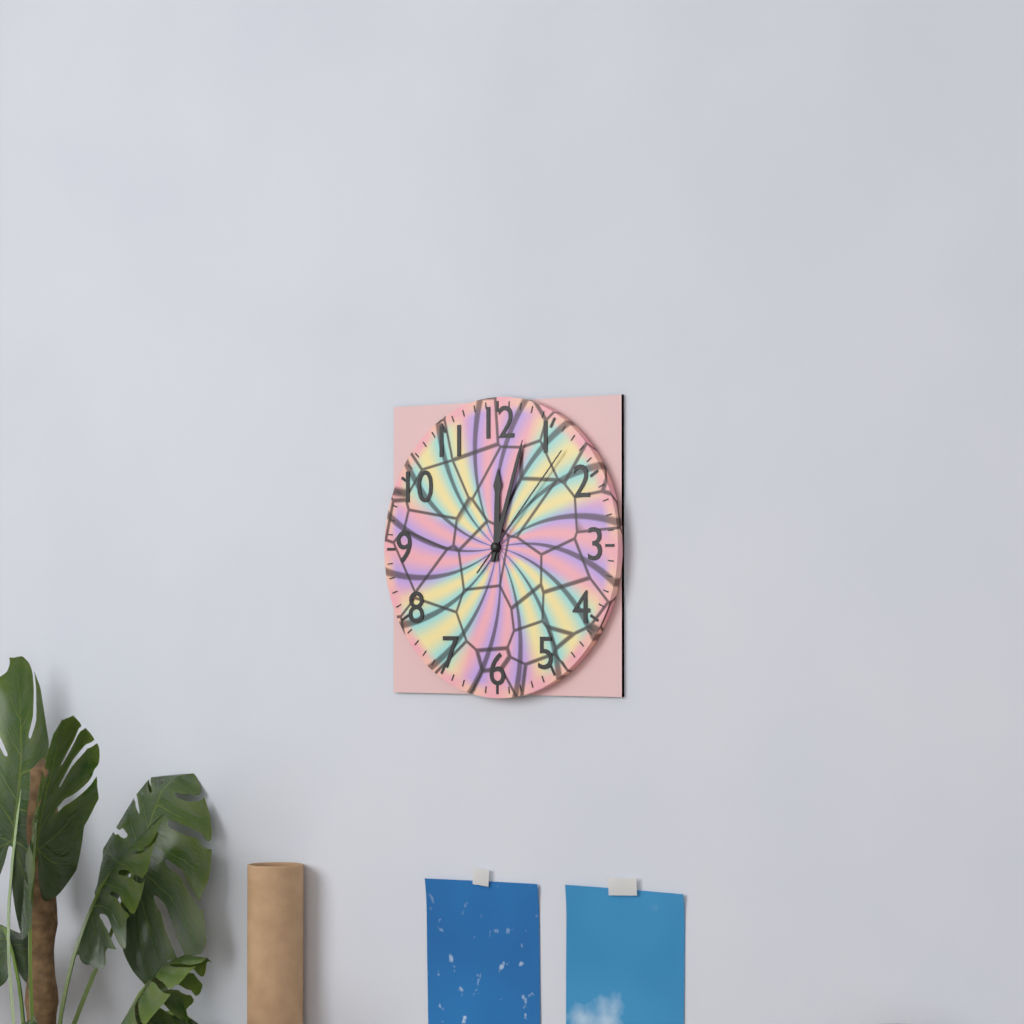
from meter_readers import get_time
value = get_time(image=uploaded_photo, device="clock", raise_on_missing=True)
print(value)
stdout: 12:03:07
